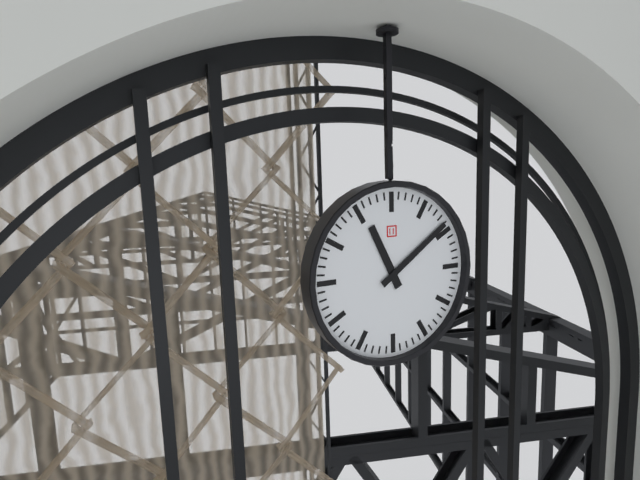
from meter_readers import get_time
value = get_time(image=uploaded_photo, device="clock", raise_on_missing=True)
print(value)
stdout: 11:09
